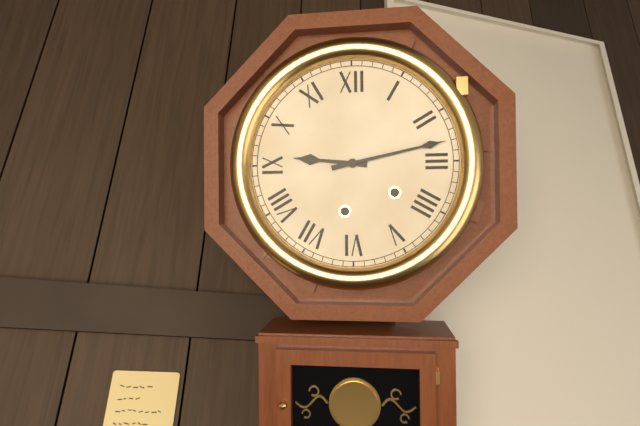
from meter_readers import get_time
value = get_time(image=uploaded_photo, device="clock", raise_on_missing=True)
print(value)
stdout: 9:13
